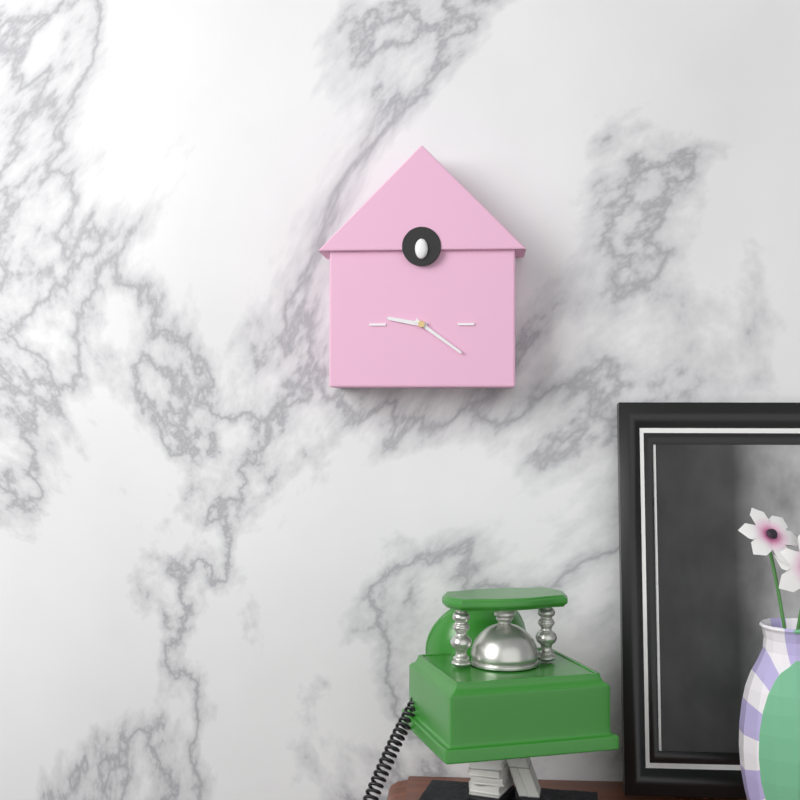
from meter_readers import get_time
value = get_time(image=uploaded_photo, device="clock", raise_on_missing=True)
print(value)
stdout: 9:21
